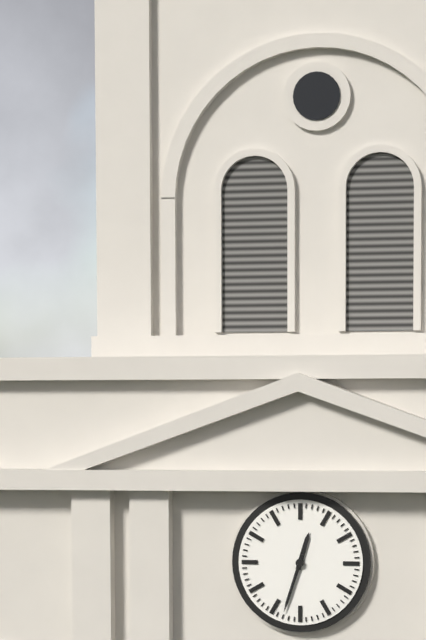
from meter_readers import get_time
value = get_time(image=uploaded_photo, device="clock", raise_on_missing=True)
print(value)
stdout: 12:33
